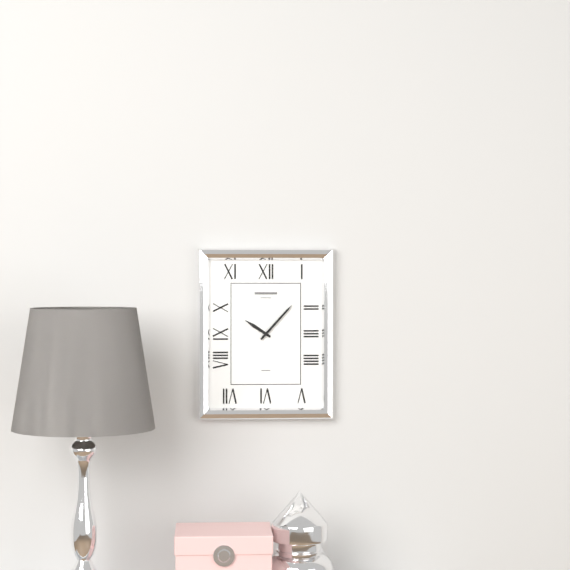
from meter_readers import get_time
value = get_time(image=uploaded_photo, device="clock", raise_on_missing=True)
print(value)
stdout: 10:07
